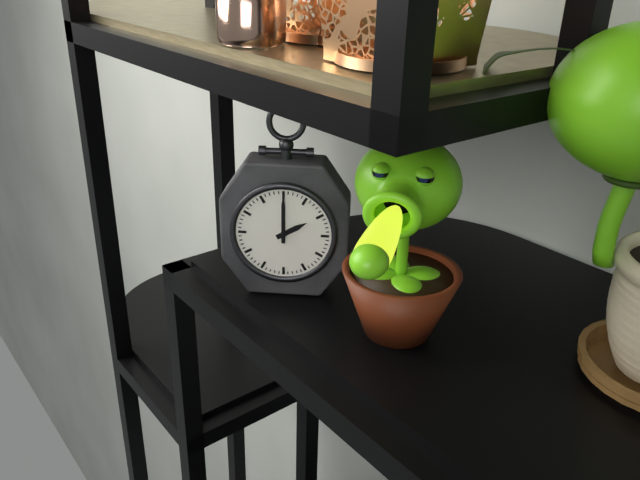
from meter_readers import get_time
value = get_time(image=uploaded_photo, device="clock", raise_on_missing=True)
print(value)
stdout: 2:00
